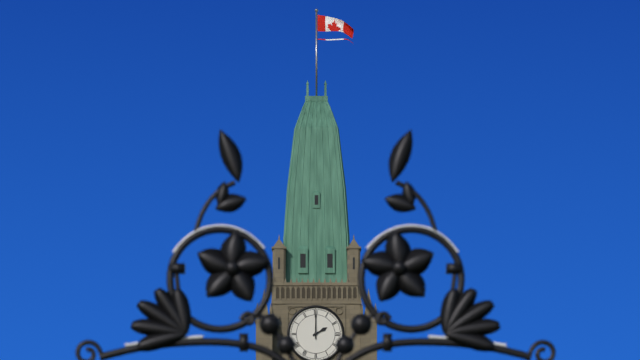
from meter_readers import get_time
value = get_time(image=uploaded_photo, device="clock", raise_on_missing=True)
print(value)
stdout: 2:00
